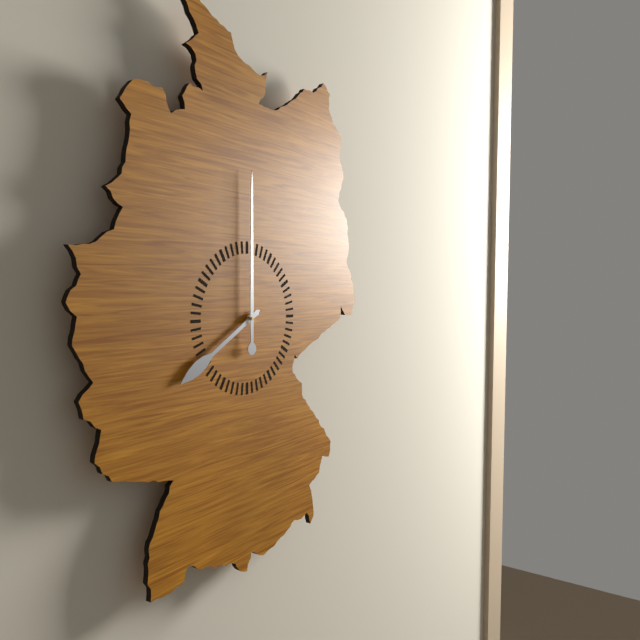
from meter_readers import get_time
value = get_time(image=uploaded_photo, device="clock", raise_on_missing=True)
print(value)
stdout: 8:00
